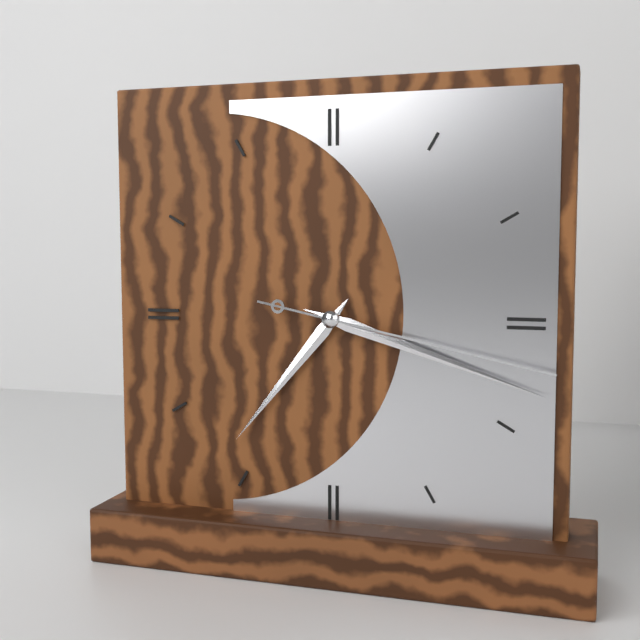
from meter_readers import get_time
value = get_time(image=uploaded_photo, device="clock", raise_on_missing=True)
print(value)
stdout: 7:18:17
